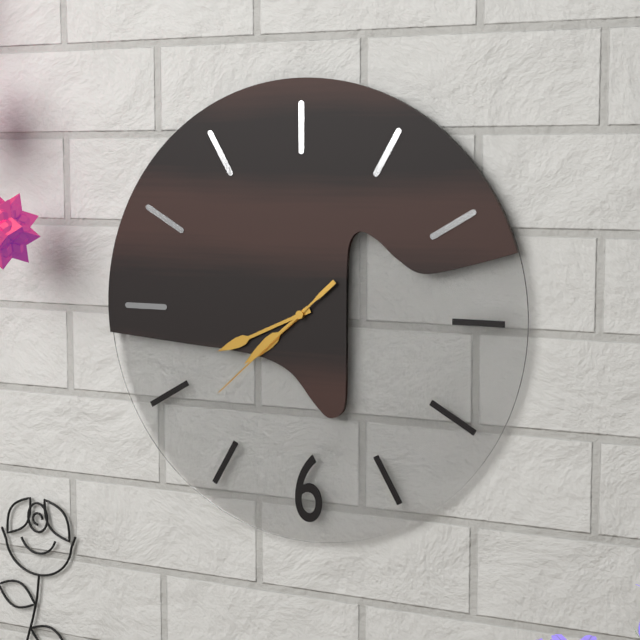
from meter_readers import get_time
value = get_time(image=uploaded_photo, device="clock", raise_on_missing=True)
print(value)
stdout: 7:41:38
